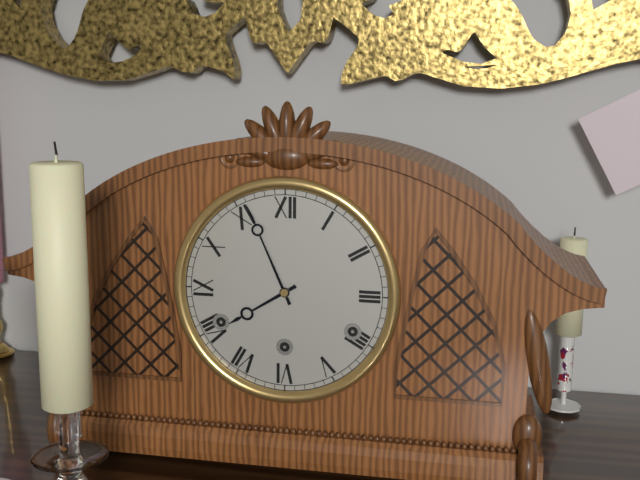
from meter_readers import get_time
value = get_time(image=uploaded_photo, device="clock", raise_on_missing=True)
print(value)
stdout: 7:56
